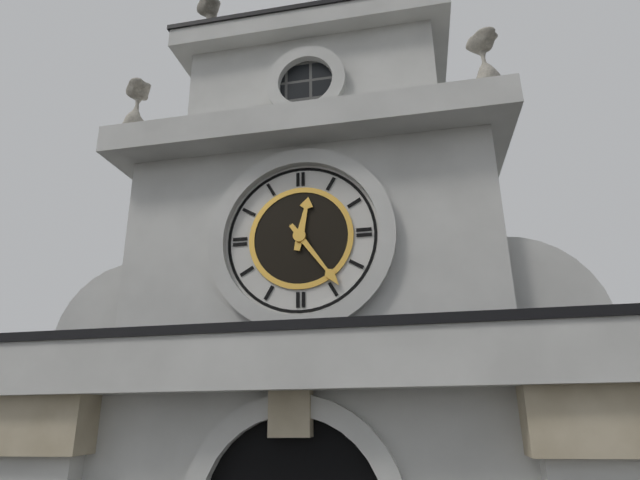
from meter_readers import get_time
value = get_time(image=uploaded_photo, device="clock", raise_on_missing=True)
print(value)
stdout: 12:24
